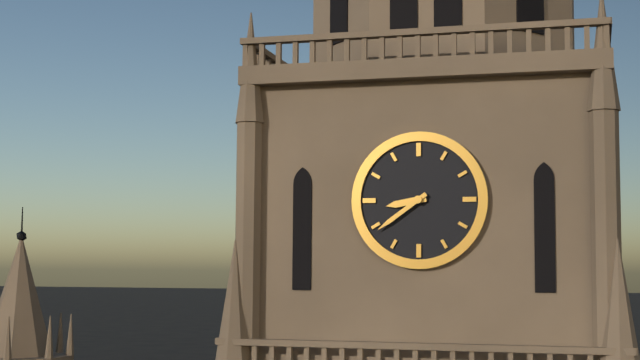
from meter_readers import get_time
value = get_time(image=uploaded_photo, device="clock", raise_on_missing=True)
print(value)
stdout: 8:39
